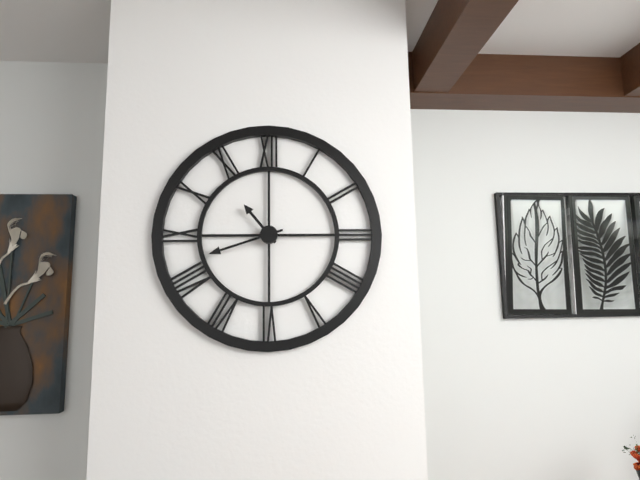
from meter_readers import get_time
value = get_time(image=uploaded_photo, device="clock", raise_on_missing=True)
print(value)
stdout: 10:42
